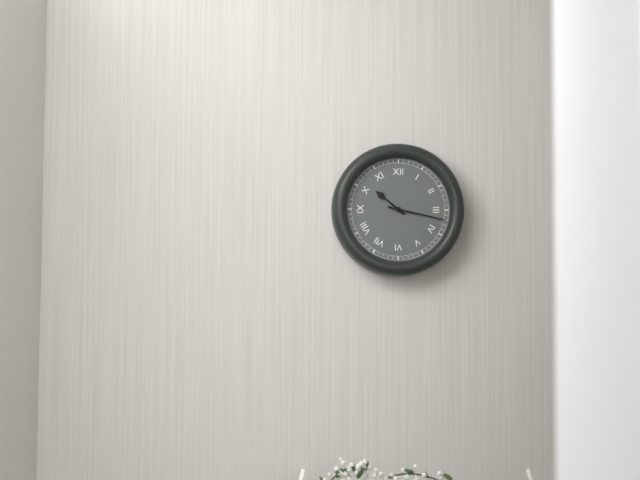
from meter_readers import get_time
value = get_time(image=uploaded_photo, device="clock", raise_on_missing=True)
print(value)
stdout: 10:17
